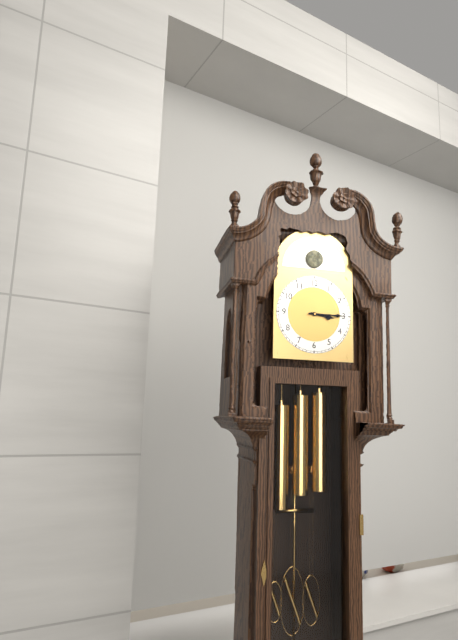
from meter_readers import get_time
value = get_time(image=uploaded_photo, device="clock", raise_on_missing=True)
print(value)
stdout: 3:15
